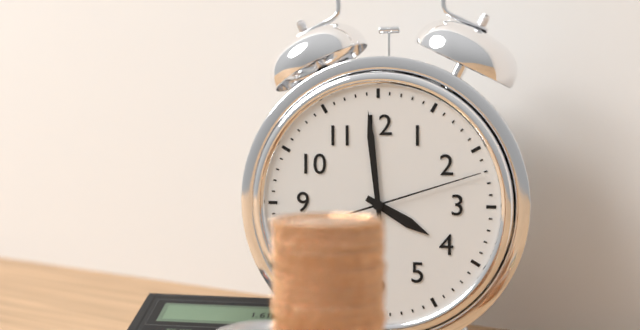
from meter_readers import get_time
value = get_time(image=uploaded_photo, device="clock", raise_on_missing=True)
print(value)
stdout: 3:59:12
